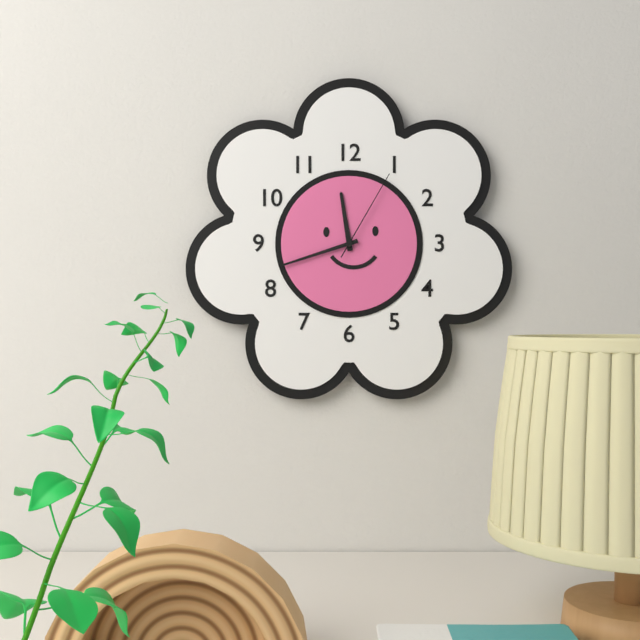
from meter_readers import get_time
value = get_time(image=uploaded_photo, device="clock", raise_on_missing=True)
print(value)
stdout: 11:42:05
